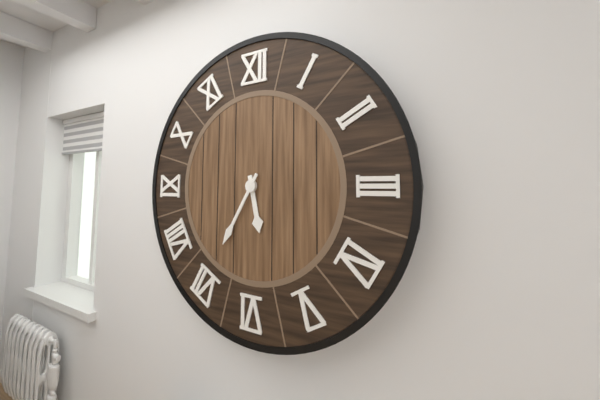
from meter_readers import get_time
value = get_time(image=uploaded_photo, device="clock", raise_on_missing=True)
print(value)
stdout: 5:35
